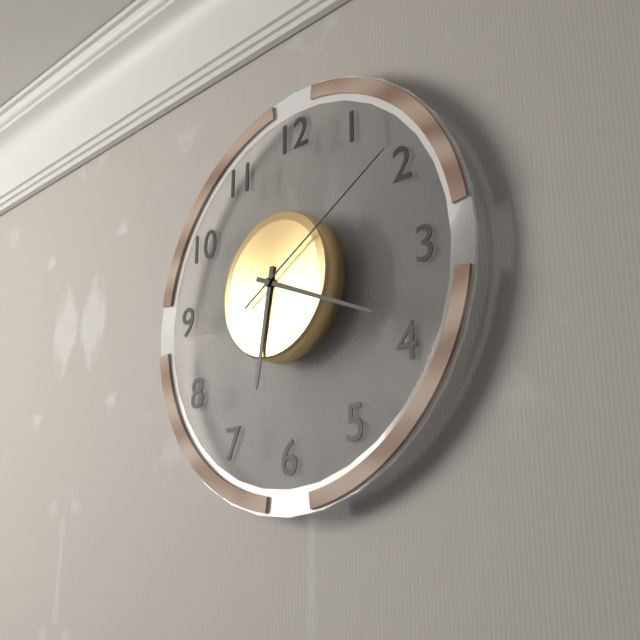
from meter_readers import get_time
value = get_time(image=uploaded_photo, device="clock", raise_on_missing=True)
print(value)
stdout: 6:19:10
